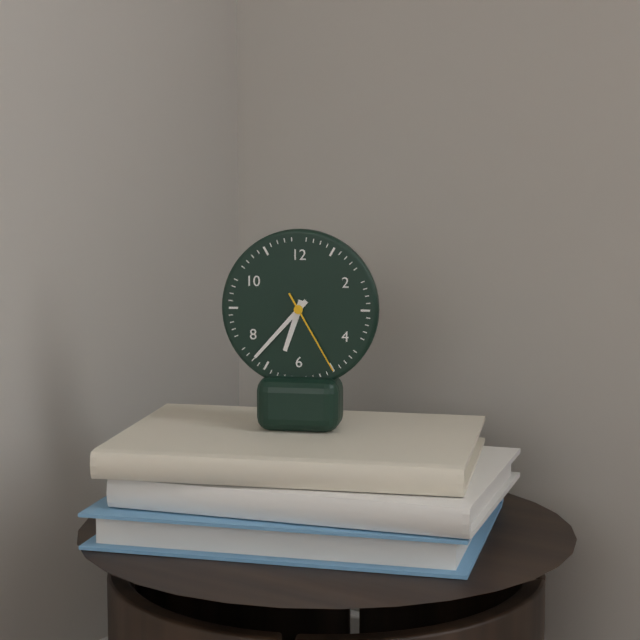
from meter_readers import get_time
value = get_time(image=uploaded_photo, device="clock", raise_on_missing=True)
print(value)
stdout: 6:37:25
